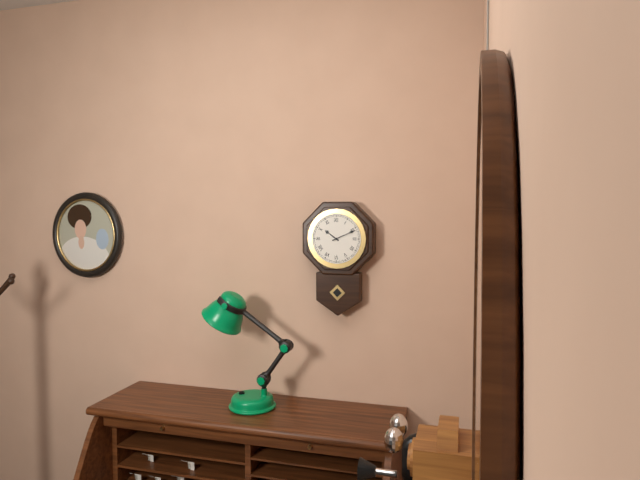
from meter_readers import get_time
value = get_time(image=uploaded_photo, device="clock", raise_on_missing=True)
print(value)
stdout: 10:11
